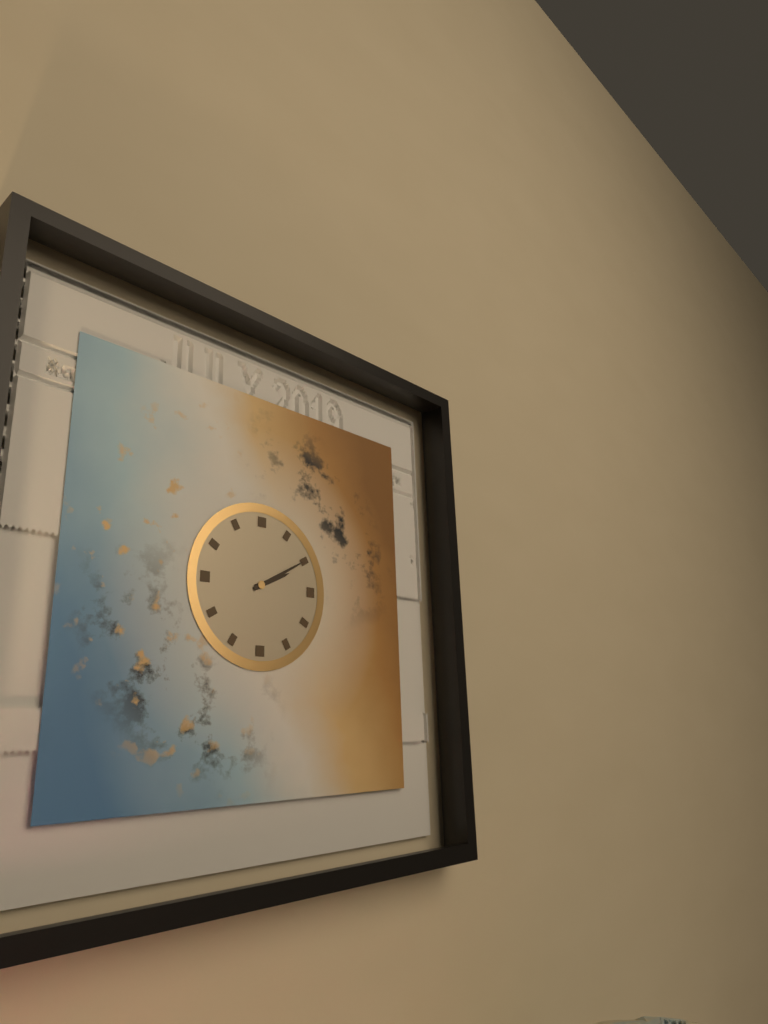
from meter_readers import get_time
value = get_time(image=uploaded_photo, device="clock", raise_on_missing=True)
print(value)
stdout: 2:10
